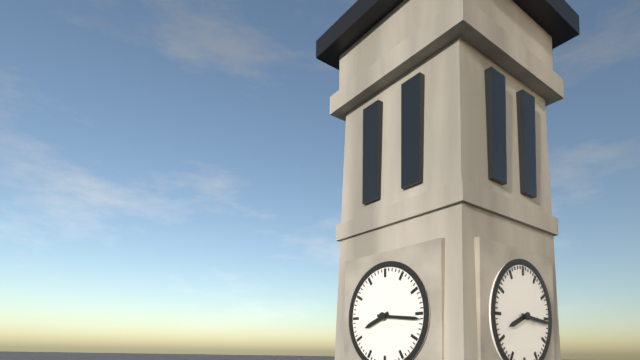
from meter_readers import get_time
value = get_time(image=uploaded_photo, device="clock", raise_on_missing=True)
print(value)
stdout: 8:16
